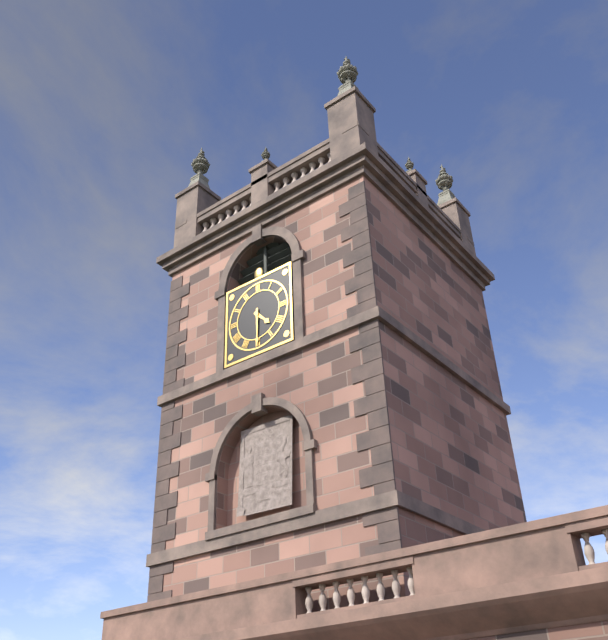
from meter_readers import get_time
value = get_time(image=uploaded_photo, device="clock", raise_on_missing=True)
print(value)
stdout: 4:30
